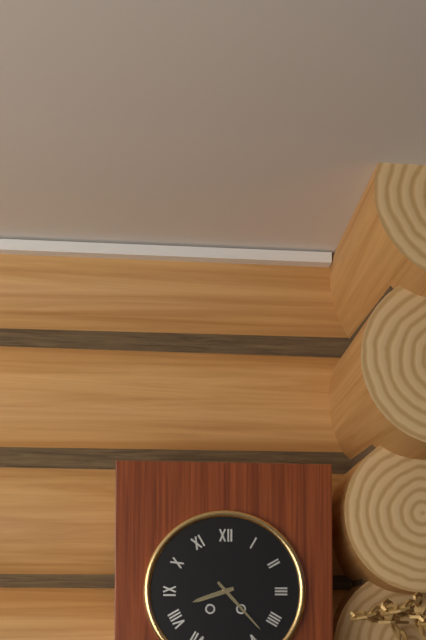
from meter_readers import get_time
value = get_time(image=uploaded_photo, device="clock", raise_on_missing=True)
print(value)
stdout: 8:23
